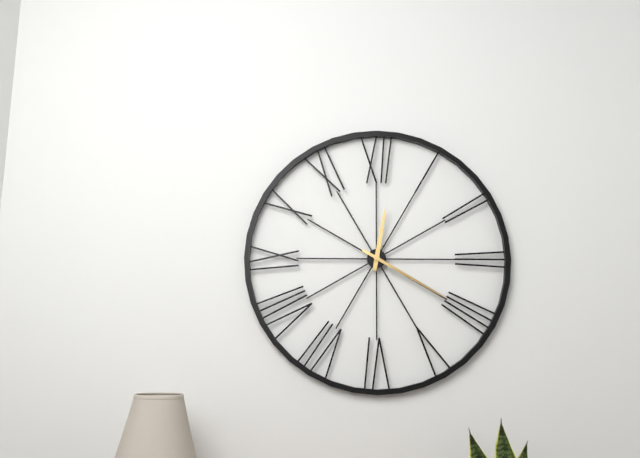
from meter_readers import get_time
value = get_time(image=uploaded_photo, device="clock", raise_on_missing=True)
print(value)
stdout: 12:20
